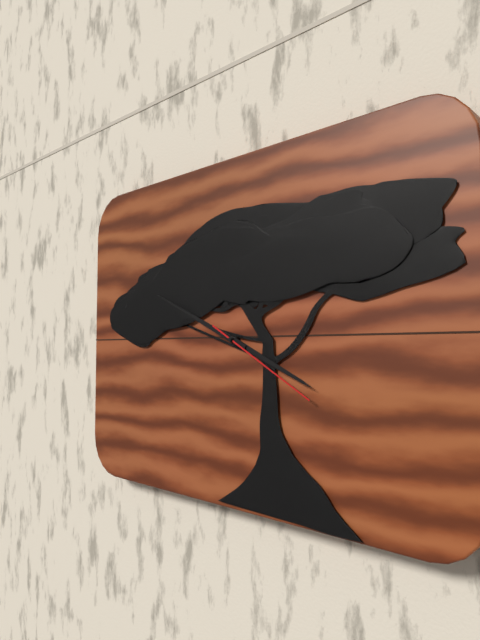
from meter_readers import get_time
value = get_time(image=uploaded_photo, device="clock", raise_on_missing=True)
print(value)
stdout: 3:49:20
